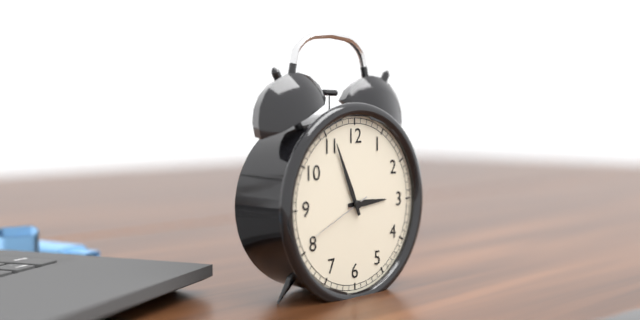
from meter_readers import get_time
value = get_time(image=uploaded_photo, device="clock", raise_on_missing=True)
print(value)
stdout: 2:56:41
